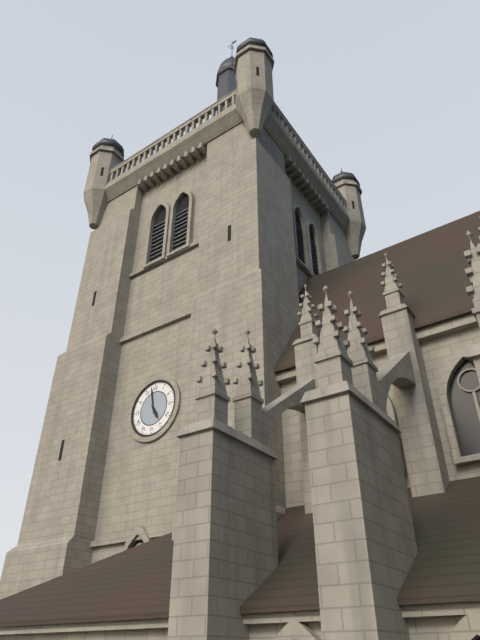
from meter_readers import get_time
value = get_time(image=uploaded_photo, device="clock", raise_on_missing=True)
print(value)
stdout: 4:58
